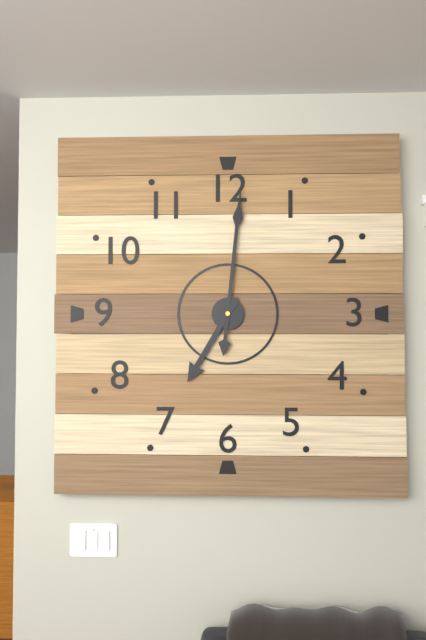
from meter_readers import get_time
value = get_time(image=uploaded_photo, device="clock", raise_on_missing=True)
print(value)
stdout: 7:01
